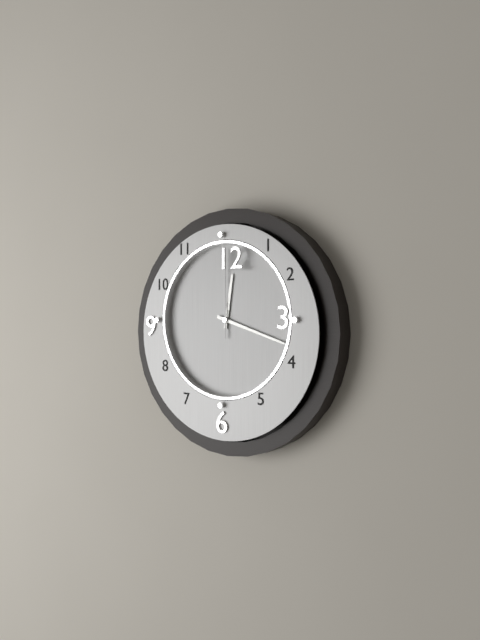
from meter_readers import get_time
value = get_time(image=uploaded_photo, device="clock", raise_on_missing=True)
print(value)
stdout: 12:18:00
